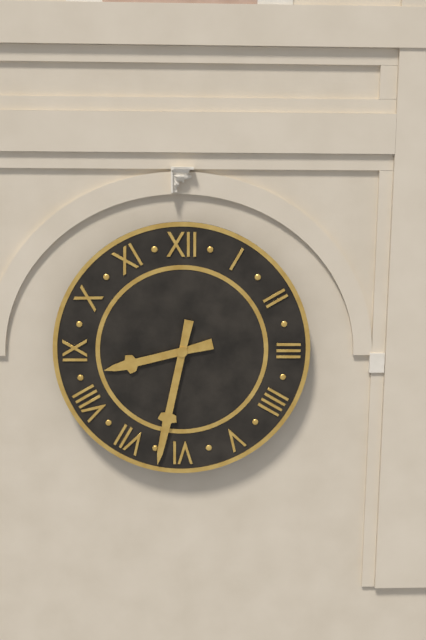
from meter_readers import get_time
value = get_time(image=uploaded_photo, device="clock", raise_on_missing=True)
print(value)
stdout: 8:32
